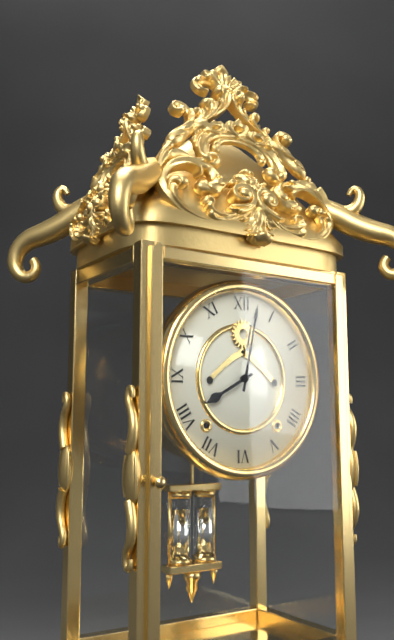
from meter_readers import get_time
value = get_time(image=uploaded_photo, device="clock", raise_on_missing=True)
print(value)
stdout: 8:02
